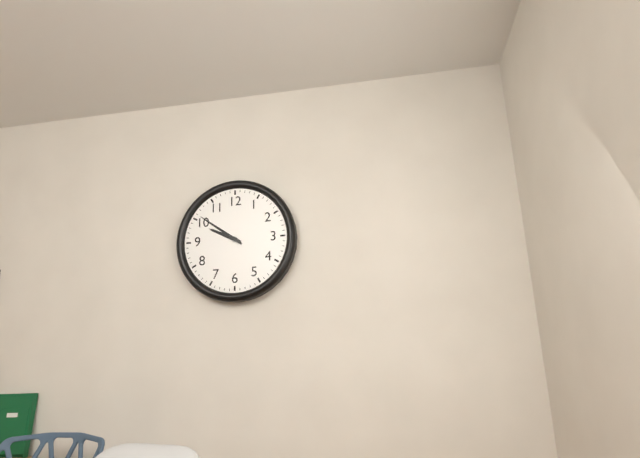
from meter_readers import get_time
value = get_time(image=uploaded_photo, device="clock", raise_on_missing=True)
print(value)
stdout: 9:51
